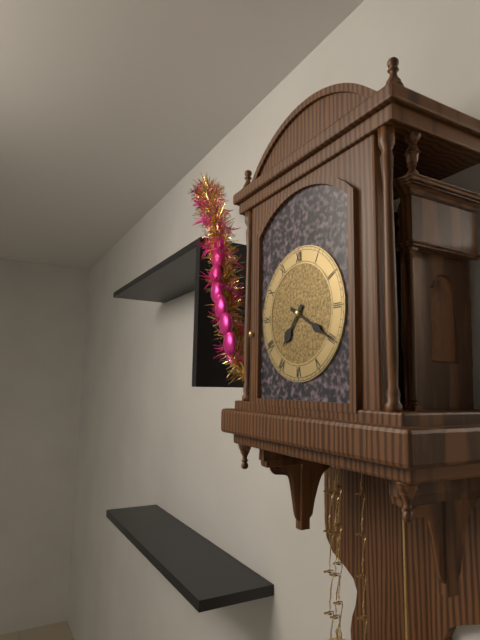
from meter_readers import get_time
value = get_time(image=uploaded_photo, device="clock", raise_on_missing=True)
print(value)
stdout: 7:20
